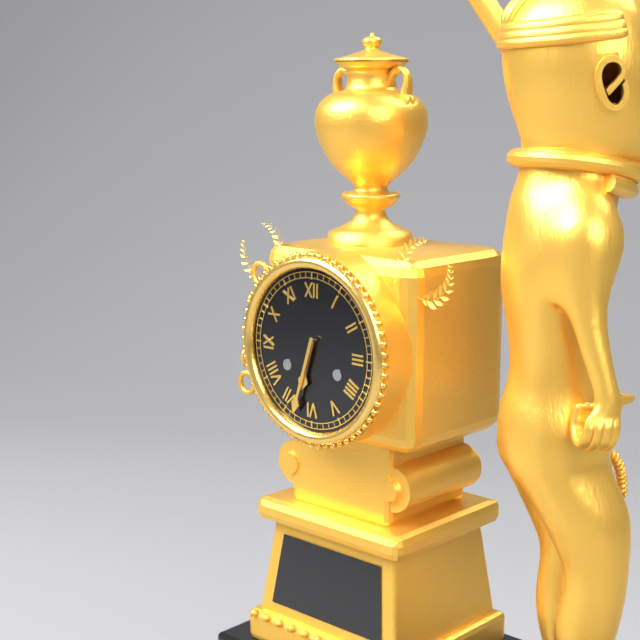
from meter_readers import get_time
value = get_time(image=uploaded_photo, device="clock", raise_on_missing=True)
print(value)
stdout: 6:33
